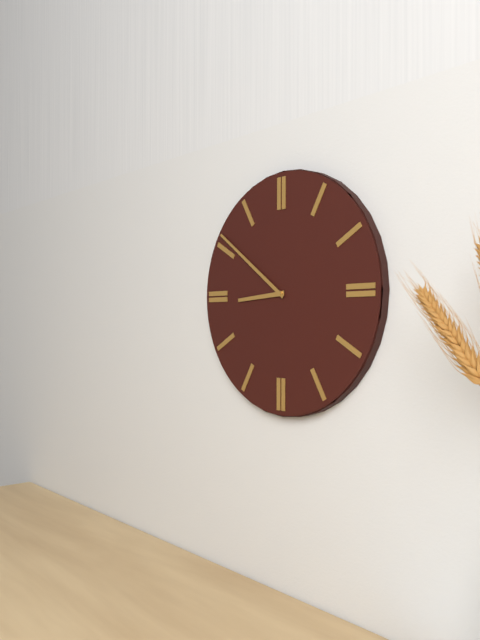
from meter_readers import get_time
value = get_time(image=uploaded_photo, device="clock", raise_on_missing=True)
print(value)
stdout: 8:51
